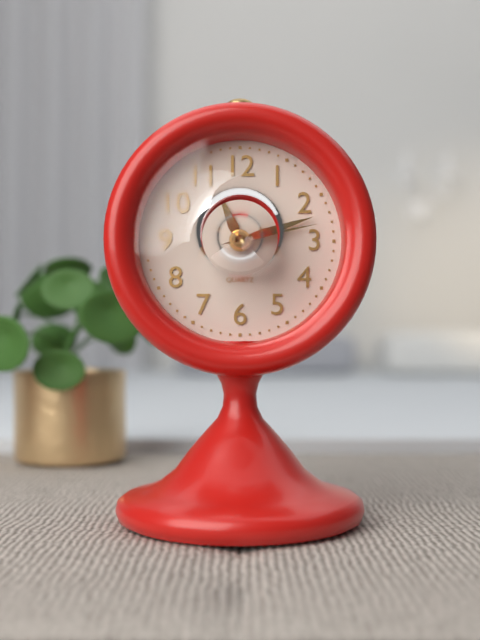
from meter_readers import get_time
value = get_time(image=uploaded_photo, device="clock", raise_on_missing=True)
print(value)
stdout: 11:12:13
